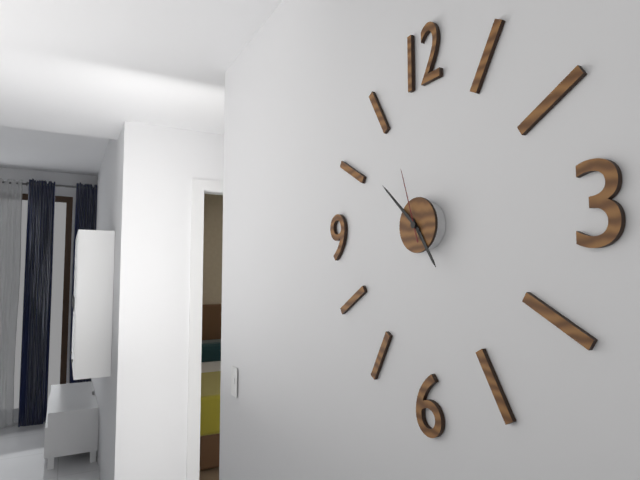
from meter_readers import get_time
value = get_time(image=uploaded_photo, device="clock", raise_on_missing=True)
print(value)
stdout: 4:52:57
